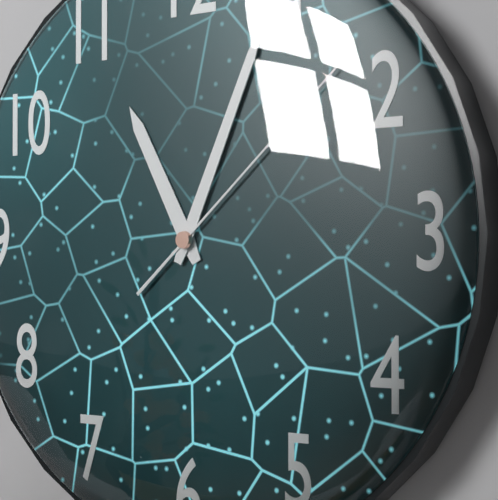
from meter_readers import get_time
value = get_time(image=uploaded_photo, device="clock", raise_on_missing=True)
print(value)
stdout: 11:04:08
